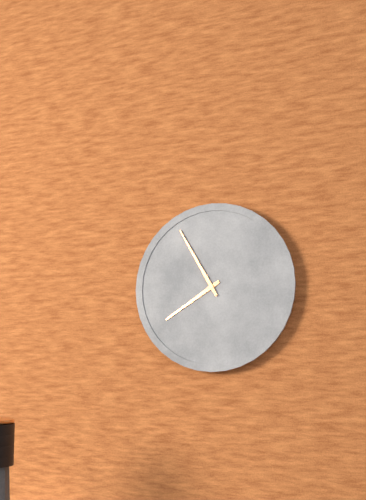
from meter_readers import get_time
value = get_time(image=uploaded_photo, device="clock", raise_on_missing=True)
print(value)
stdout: 7:55
